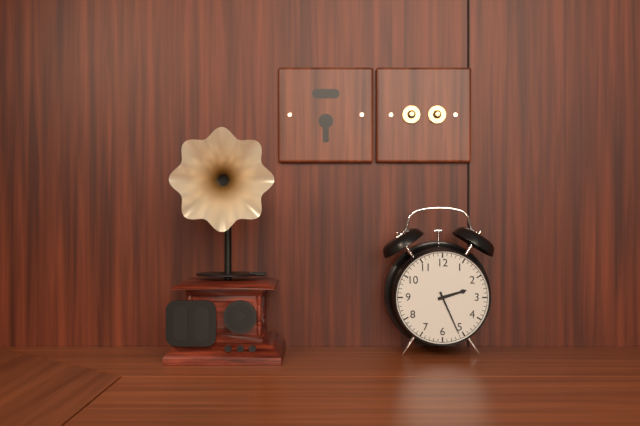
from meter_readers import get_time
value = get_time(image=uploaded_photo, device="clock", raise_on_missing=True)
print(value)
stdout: 2:26
